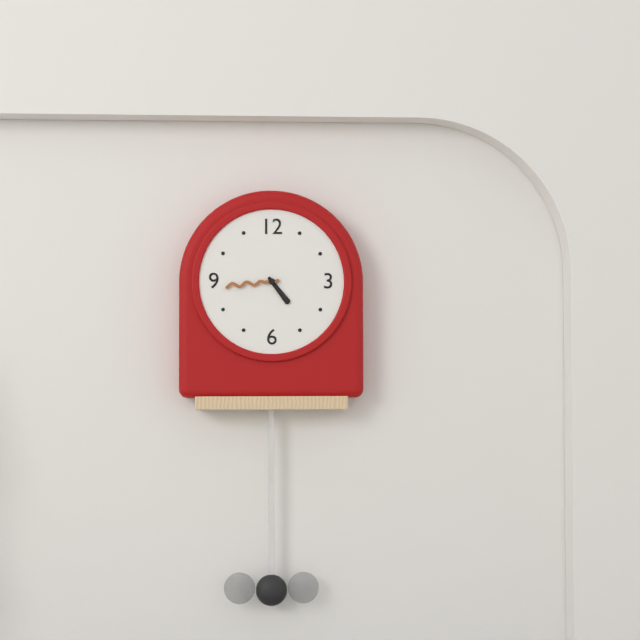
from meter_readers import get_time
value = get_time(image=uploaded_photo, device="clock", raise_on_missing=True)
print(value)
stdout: 4:44
